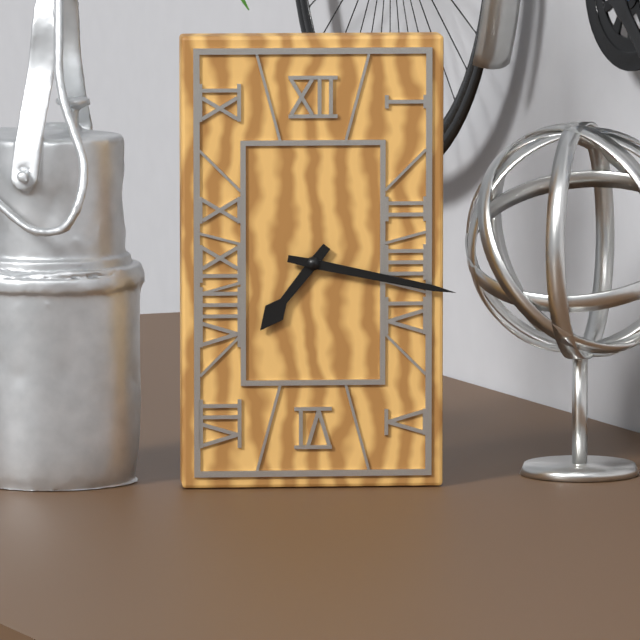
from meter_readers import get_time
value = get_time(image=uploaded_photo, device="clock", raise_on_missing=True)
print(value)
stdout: 7:17
